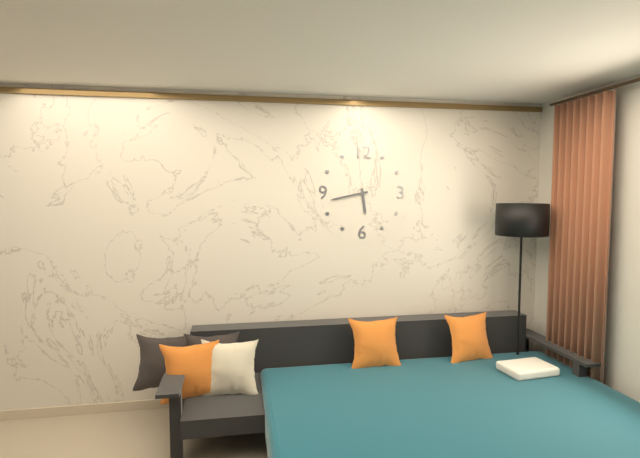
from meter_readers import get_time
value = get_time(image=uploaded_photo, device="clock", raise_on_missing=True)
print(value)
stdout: 5:43
